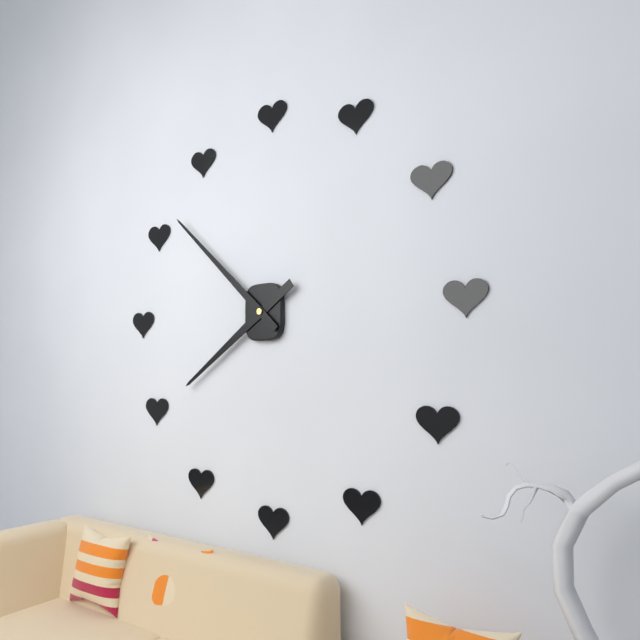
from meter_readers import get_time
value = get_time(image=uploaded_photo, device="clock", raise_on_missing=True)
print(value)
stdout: 7:52
